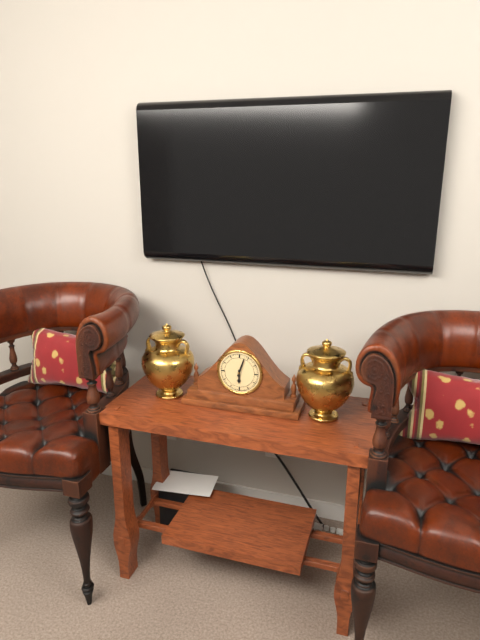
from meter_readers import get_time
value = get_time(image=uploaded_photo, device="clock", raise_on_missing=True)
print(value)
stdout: 6:03
